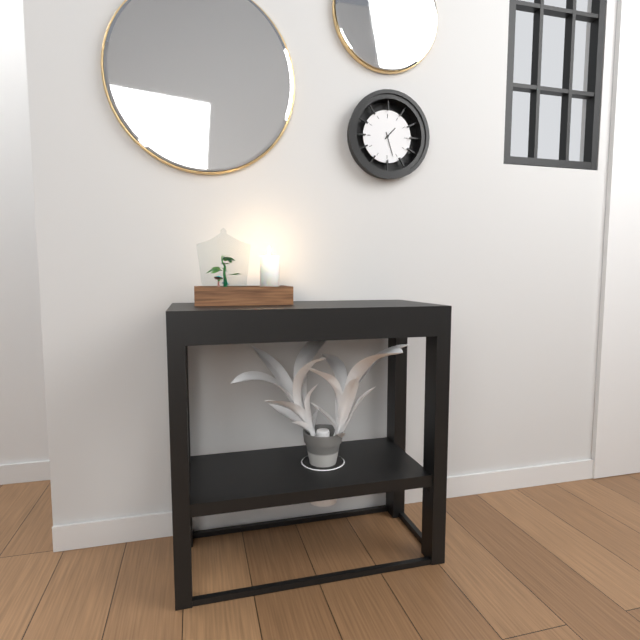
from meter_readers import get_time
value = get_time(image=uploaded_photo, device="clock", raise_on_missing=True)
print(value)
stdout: 1:27
